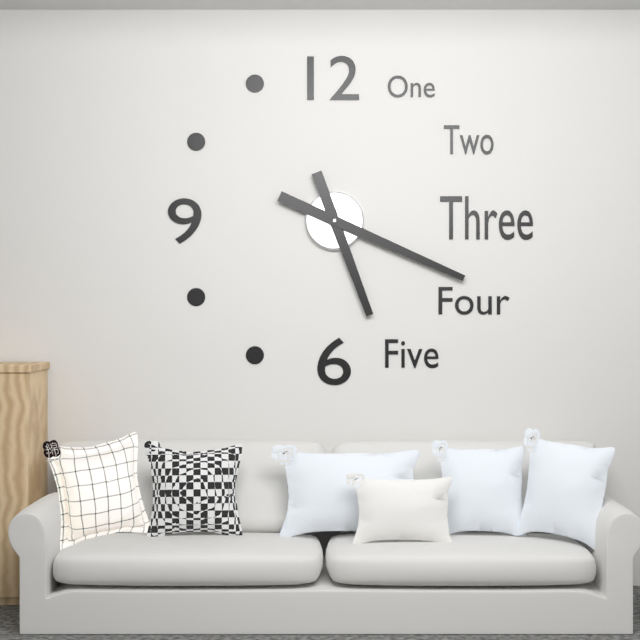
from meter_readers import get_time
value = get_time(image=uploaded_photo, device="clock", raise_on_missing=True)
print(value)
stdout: 5:19
